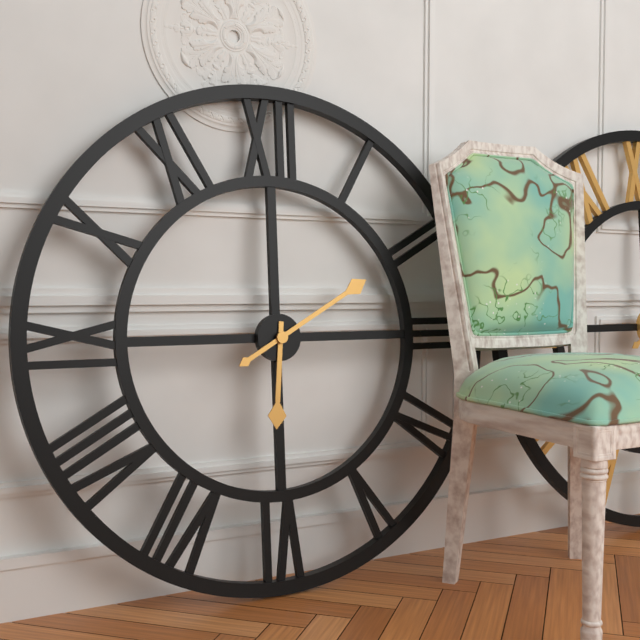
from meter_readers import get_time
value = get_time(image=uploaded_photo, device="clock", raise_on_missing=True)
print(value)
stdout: 6:10
